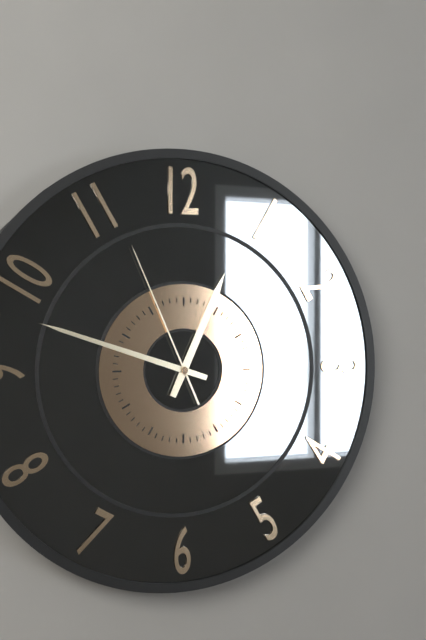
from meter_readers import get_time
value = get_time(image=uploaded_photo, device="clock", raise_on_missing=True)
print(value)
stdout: 12:48:56
